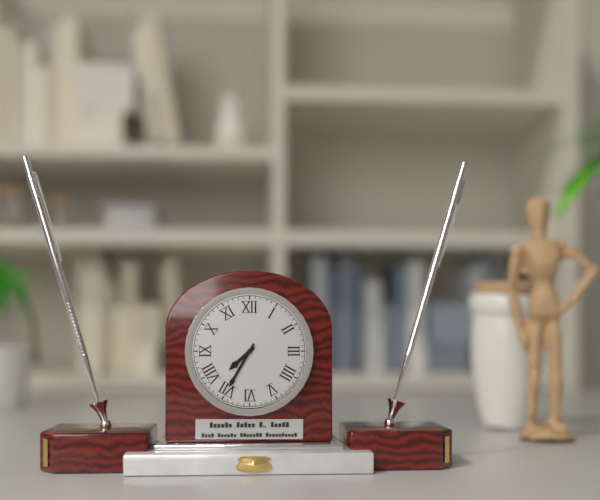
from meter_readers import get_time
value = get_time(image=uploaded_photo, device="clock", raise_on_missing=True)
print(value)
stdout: 7:35
